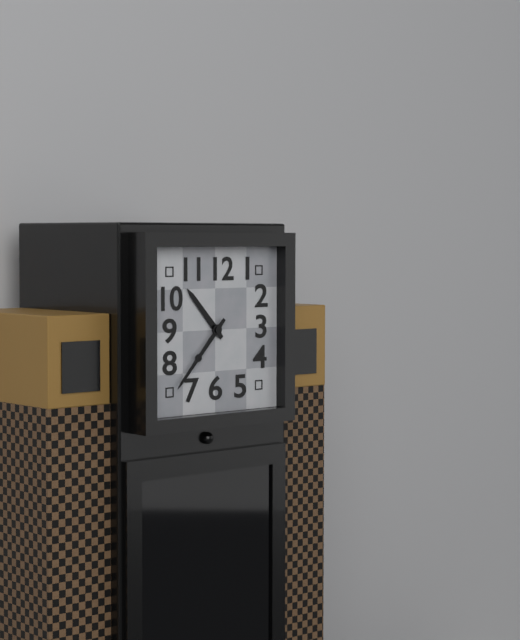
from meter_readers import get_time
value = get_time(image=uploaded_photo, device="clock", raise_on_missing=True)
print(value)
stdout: 10:37
